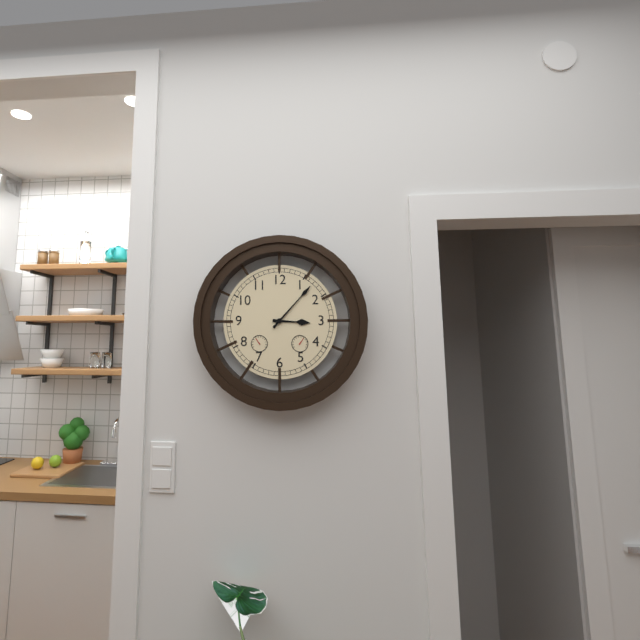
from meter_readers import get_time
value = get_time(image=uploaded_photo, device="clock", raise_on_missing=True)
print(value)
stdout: 3:07
